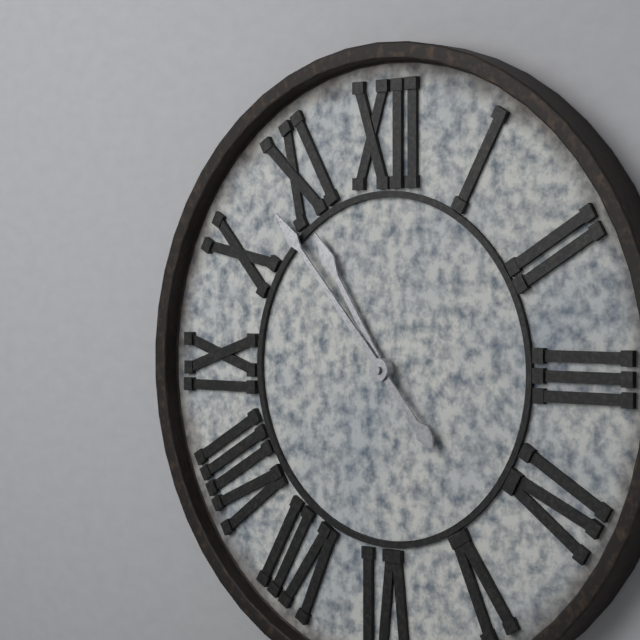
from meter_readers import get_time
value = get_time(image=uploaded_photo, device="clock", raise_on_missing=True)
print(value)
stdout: 10:53
